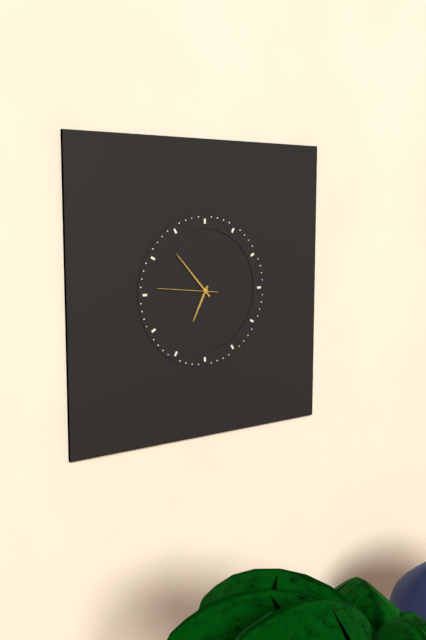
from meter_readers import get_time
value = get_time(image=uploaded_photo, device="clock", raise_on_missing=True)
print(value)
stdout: 6:53:46
